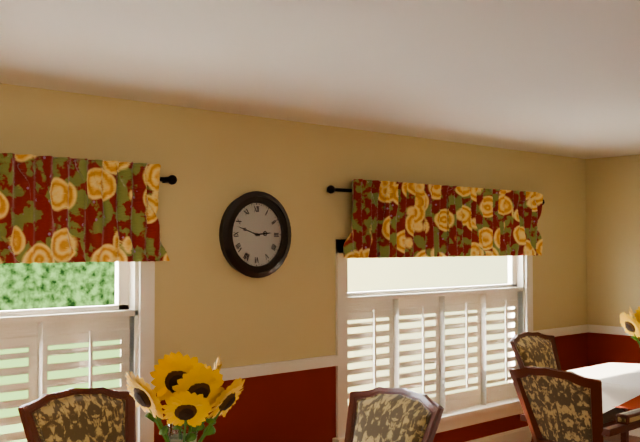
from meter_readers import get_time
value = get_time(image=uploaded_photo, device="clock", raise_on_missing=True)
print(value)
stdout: 2:48
